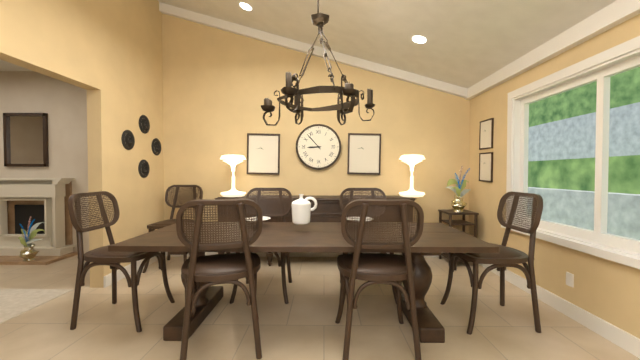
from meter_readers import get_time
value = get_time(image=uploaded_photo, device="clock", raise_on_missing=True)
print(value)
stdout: 8:53
